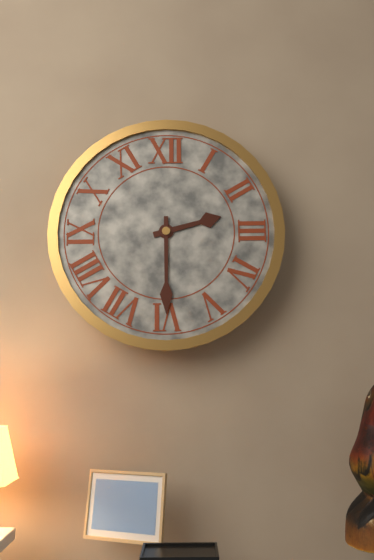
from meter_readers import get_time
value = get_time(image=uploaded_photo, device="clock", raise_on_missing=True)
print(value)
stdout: 2:30
